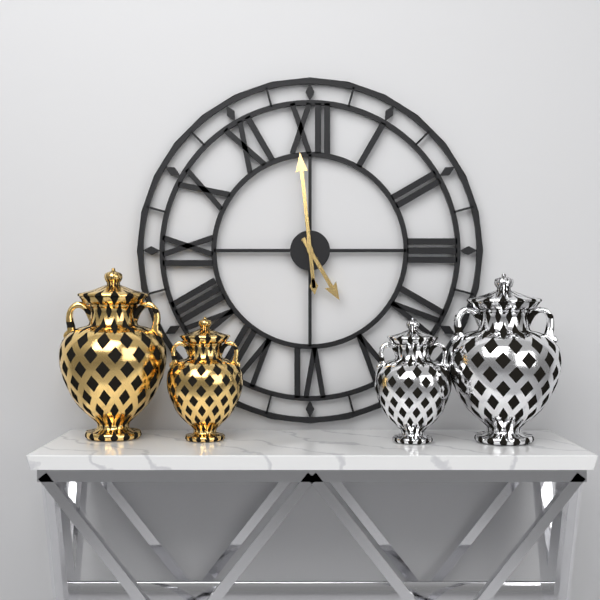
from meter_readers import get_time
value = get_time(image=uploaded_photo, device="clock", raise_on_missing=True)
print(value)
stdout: 4:59
